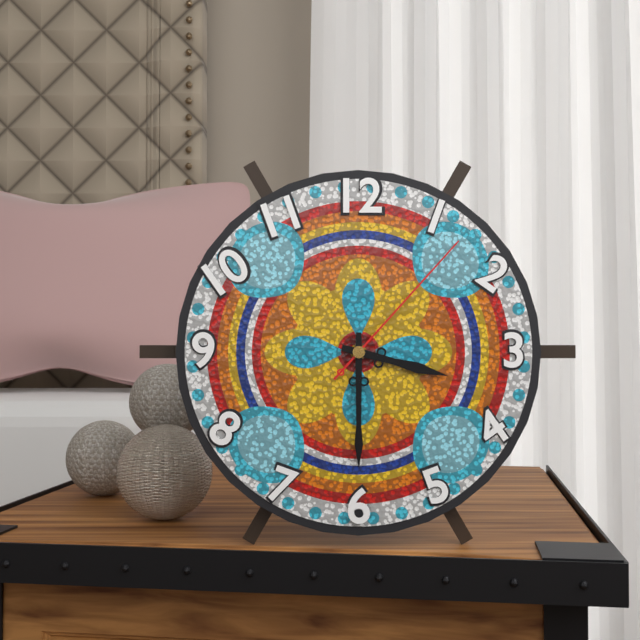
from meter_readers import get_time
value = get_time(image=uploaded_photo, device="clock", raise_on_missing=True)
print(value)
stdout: 3:30:07
